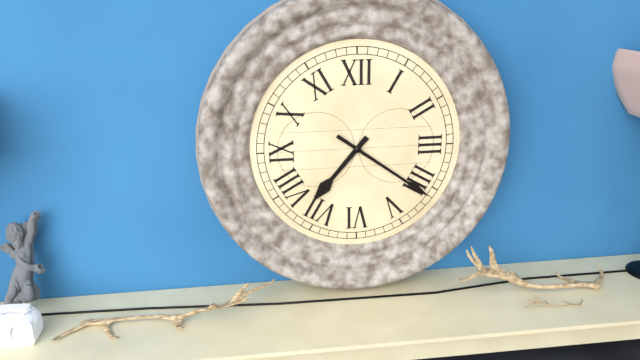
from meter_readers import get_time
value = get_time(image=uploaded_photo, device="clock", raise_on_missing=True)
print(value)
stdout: 7:21
